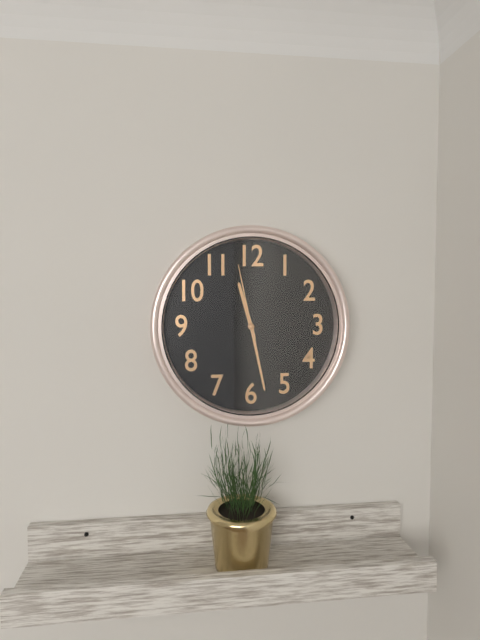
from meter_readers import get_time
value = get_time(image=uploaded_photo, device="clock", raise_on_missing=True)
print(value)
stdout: 11:28:58
